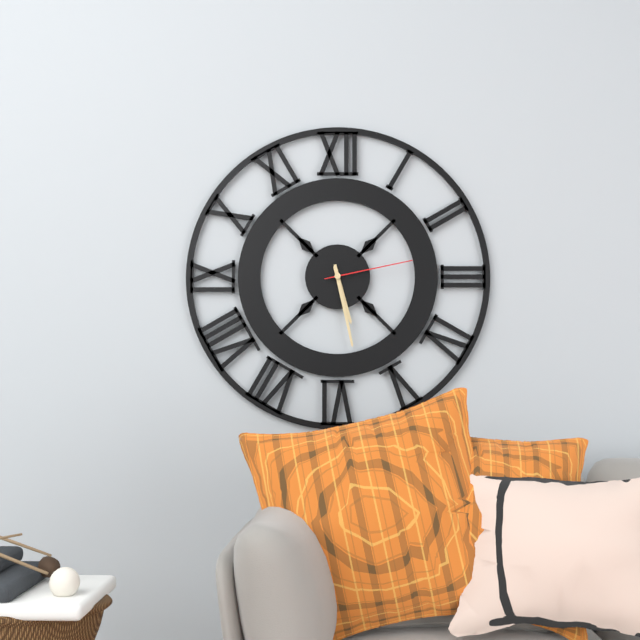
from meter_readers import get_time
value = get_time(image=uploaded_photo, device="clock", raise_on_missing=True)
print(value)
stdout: 5:28:13
